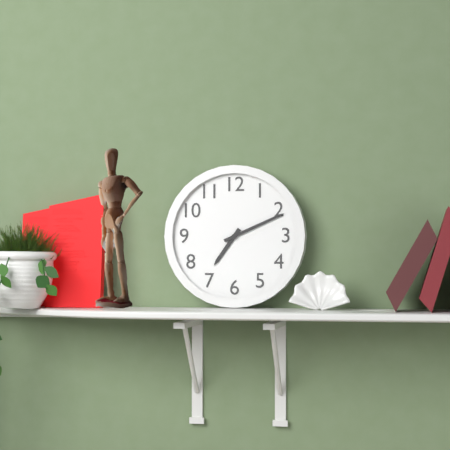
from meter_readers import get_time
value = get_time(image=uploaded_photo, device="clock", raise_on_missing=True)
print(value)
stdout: 7:11
